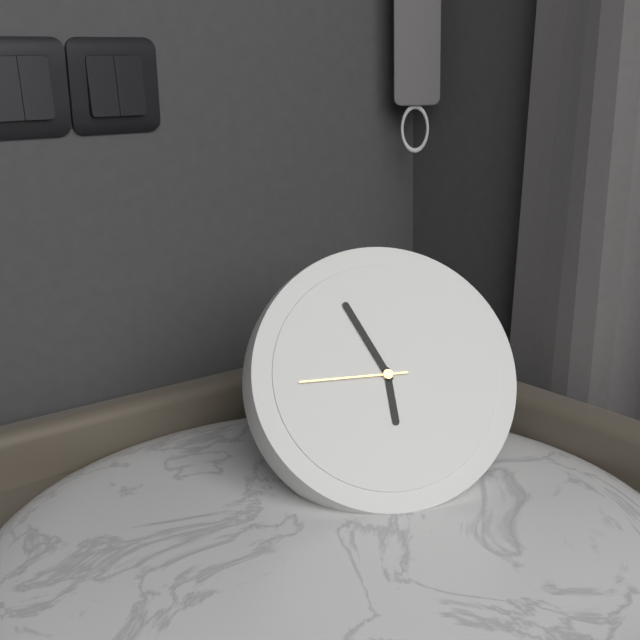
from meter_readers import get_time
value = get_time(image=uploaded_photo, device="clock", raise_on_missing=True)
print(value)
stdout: 5:56:45
